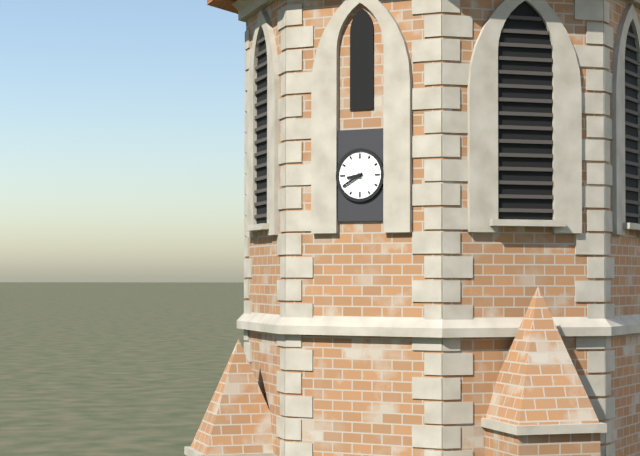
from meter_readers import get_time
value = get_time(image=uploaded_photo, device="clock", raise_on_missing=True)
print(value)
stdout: 8:40
